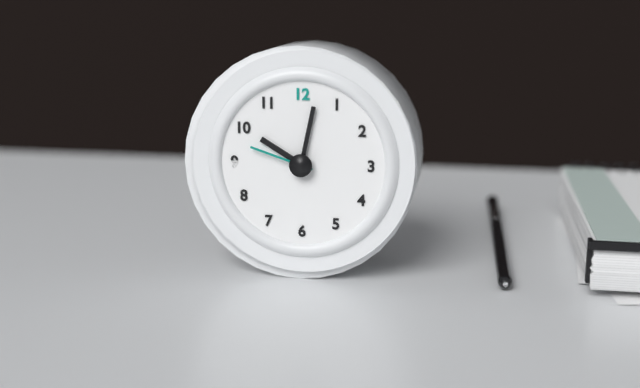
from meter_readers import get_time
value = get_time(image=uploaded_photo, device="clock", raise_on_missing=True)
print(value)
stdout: 10:02:48
